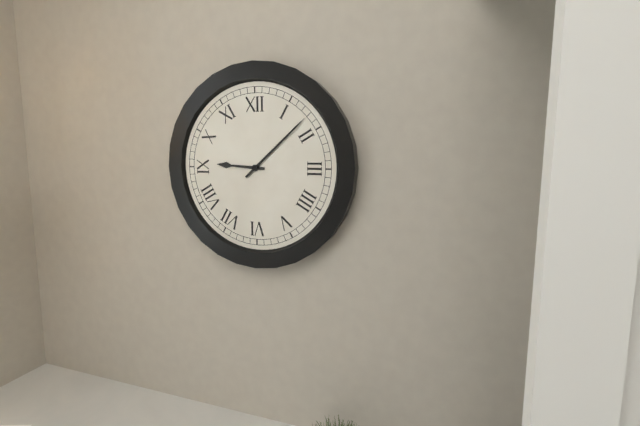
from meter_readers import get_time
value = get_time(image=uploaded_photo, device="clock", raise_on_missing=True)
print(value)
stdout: 9:08
